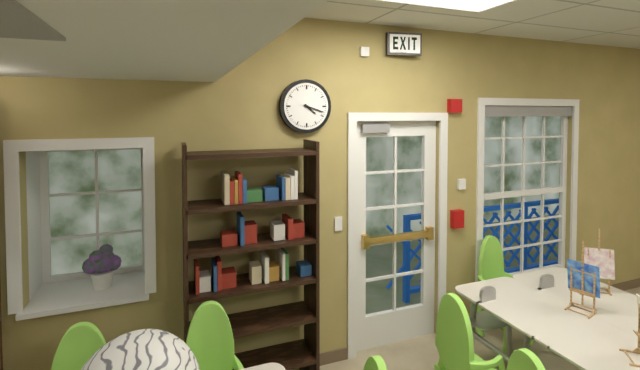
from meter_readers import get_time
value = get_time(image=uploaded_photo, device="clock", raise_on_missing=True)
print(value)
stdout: 4:18
